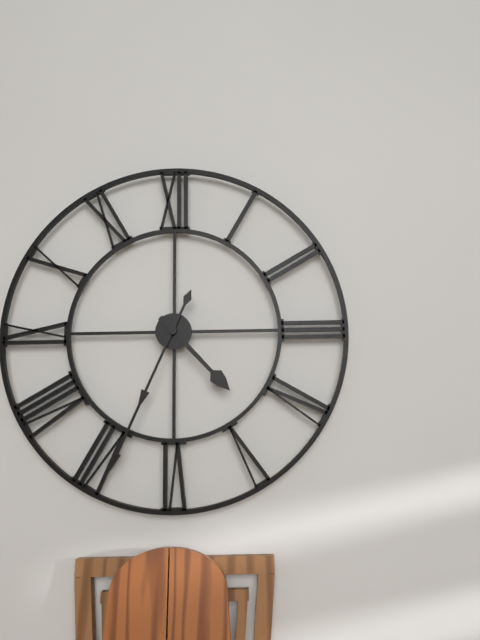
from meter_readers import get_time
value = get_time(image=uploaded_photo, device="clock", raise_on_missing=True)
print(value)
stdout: 4:34
